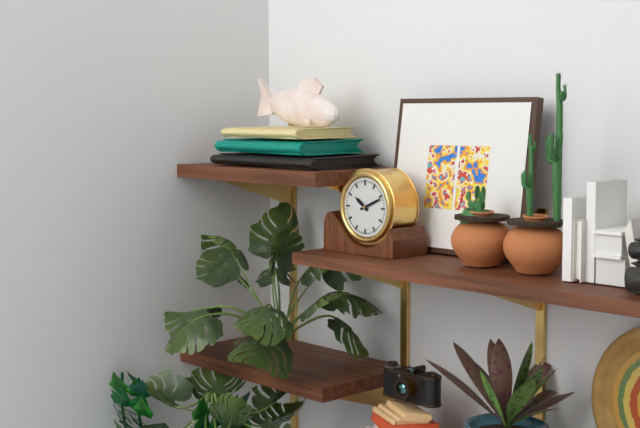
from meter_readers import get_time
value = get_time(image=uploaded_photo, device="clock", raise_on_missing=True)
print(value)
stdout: 10:11
